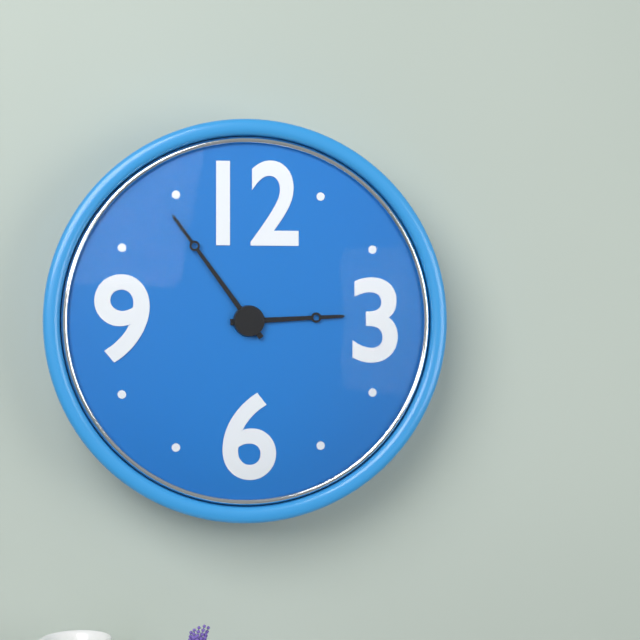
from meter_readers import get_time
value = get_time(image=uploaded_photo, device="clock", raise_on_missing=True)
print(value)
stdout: 2:54
